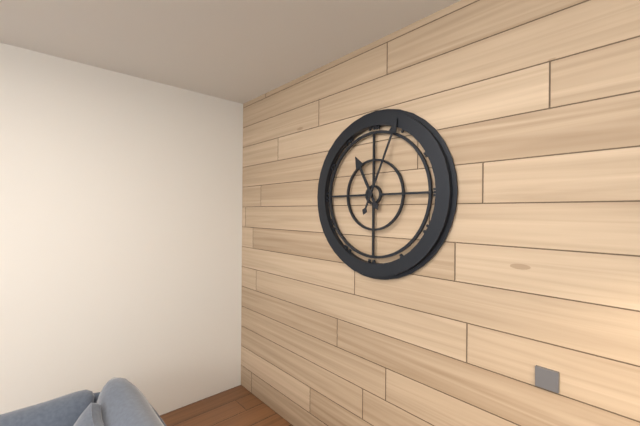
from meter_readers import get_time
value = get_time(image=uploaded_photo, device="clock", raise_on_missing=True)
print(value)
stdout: 11:04
